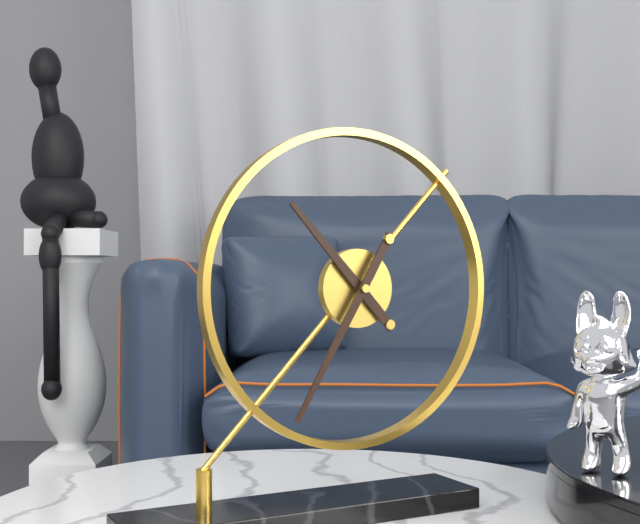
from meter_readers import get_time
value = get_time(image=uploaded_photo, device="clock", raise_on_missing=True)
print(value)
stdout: 10:35
